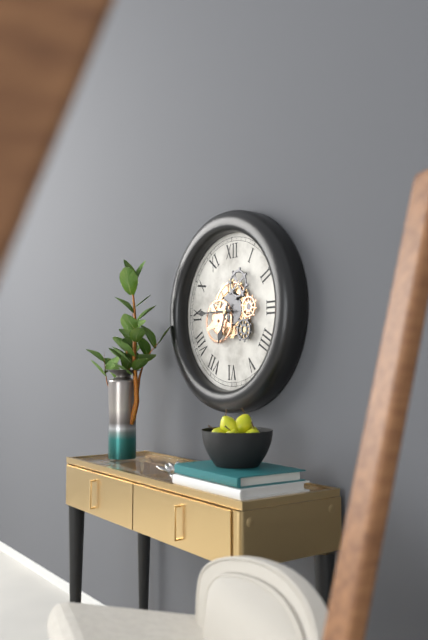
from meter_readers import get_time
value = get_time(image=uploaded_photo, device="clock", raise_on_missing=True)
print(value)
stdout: 6:45
